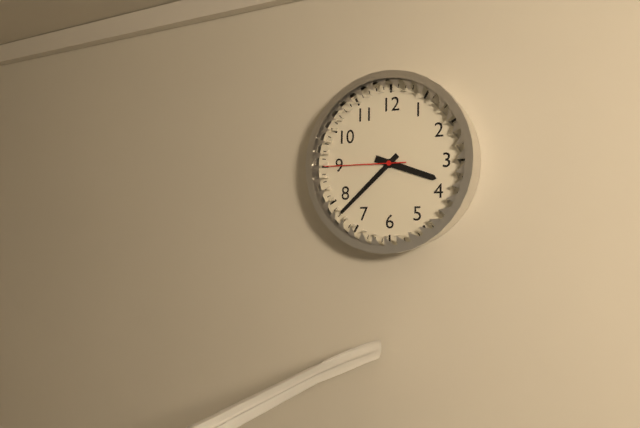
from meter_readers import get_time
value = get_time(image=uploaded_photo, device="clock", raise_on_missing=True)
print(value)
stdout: 3:38:45
